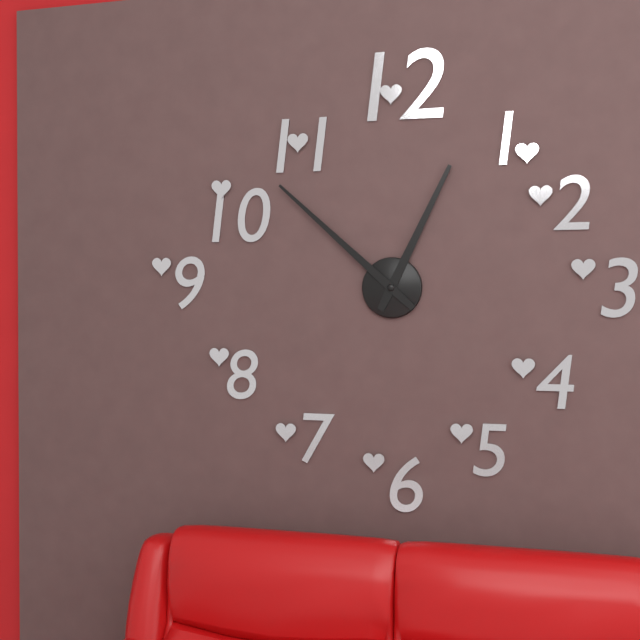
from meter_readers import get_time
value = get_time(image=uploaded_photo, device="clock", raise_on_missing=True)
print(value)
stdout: 12:52
